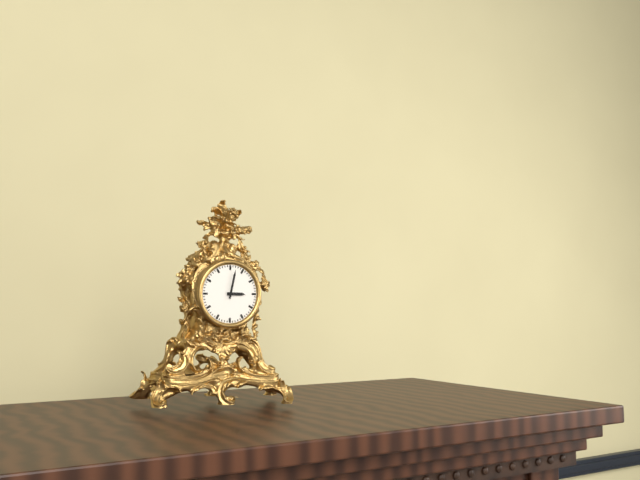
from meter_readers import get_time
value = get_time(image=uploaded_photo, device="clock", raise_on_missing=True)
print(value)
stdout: 3:02
